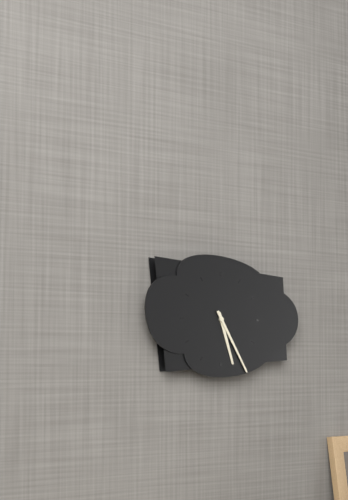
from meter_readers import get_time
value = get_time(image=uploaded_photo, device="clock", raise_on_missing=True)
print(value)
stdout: 5:25
